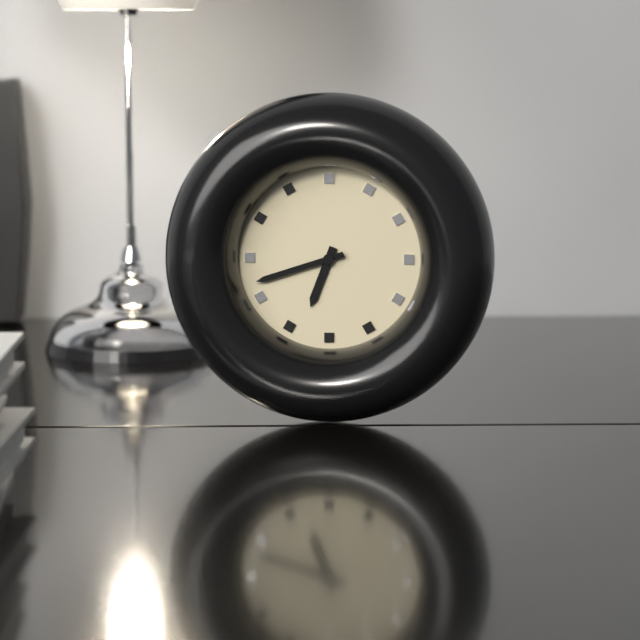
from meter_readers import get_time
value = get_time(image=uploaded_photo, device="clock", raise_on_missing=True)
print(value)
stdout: 6:42
